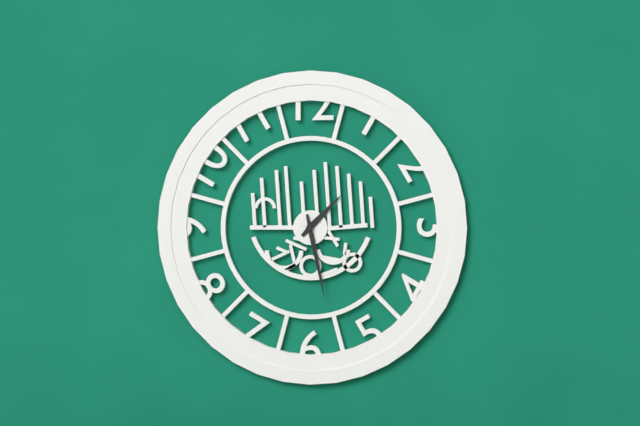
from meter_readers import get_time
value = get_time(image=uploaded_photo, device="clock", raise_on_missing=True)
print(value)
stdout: 1:28
